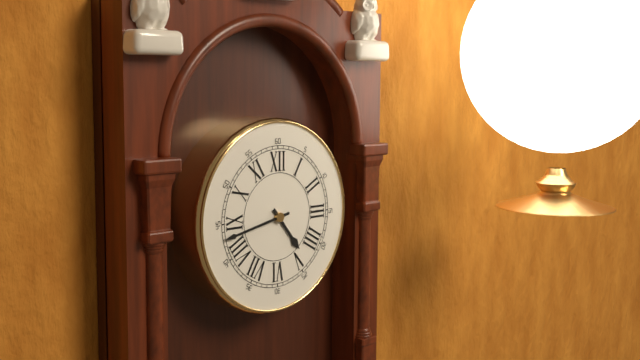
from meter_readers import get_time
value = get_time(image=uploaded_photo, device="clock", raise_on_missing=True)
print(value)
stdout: 4:43
